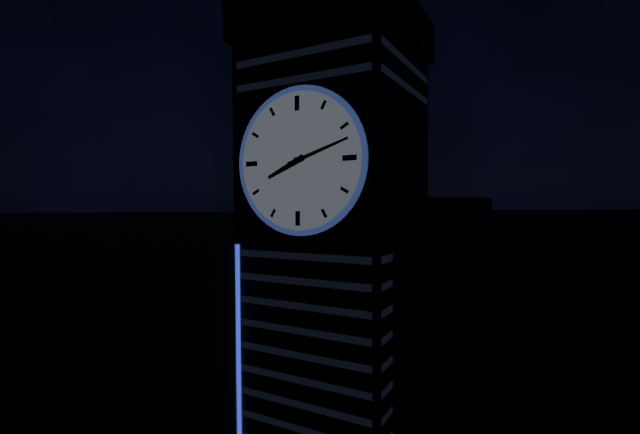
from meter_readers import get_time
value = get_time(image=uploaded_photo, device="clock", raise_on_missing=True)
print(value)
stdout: 8:12
